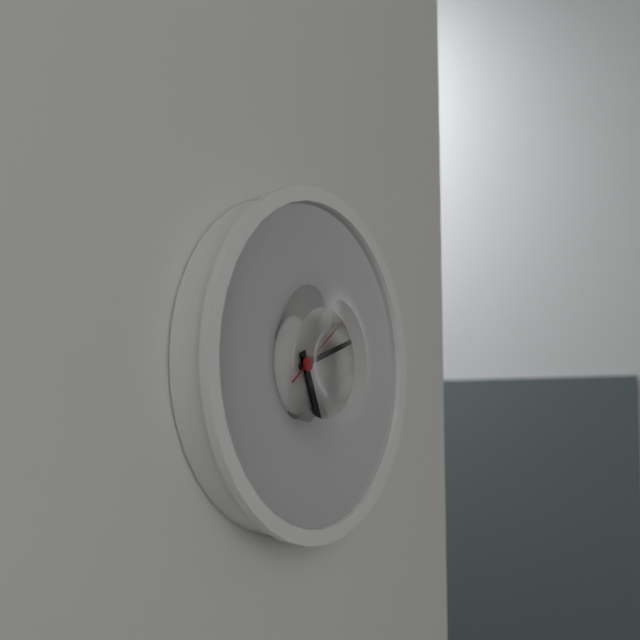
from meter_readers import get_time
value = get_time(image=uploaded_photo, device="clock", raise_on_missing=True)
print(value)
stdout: 5:12:09
